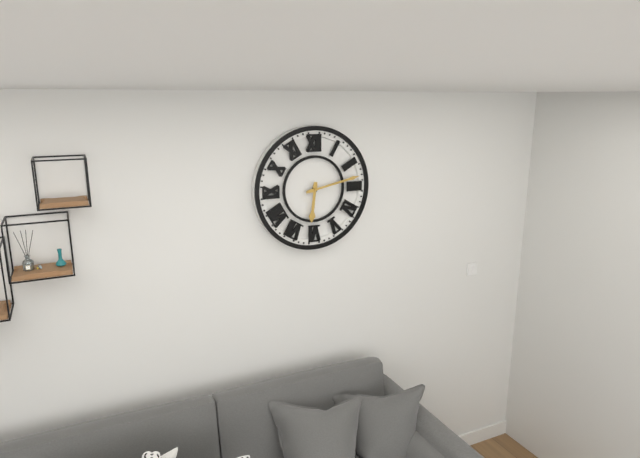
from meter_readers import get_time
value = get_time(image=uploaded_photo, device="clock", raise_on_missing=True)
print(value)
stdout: 6:13
